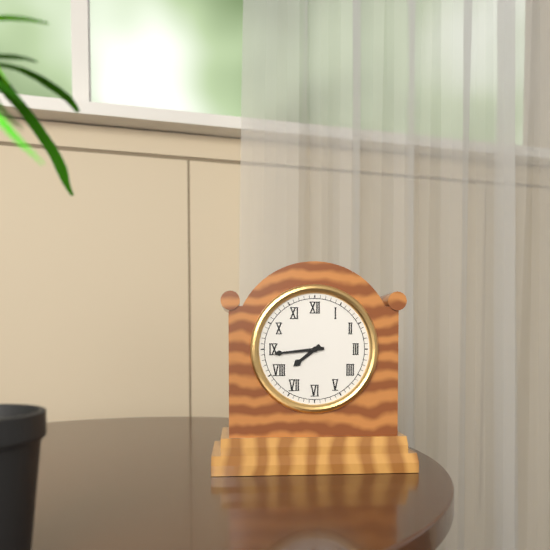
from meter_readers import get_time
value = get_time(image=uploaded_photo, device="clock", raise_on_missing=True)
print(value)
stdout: 7:44
